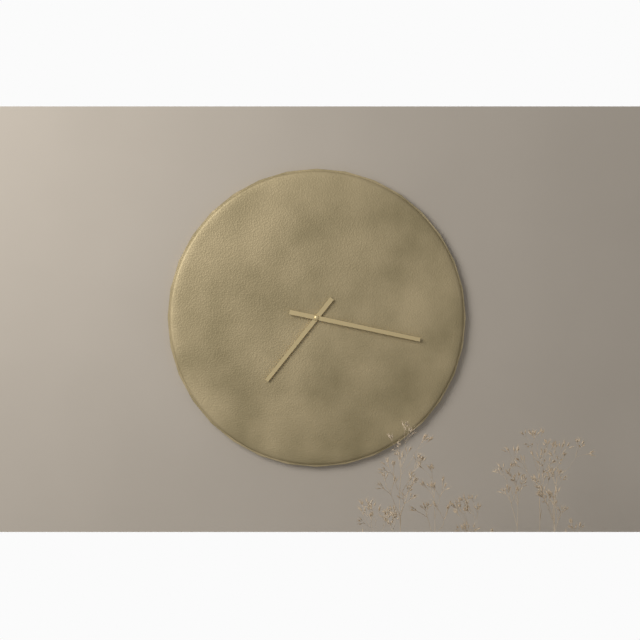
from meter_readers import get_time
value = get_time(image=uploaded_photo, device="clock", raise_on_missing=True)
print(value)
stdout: 7:17
